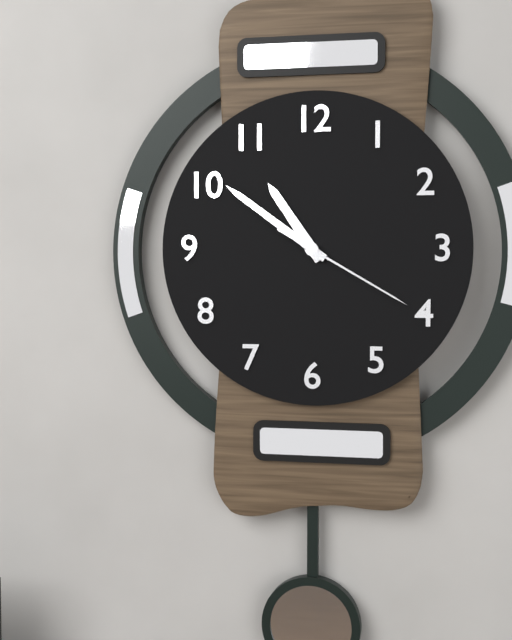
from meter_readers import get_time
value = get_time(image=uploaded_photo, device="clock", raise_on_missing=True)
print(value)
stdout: 10:51:20
